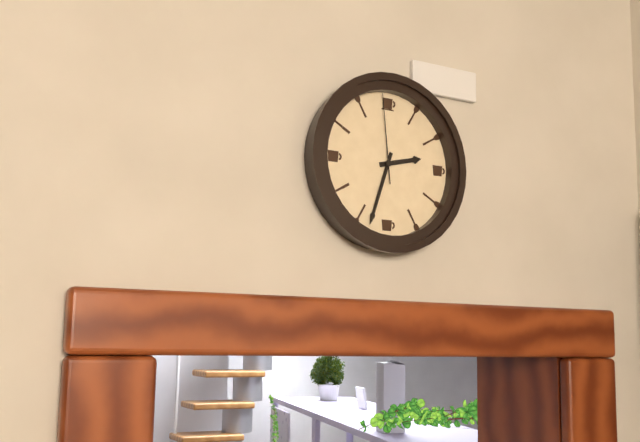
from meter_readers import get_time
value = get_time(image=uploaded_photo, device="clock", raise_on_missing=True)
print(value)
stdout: 2:33:59
